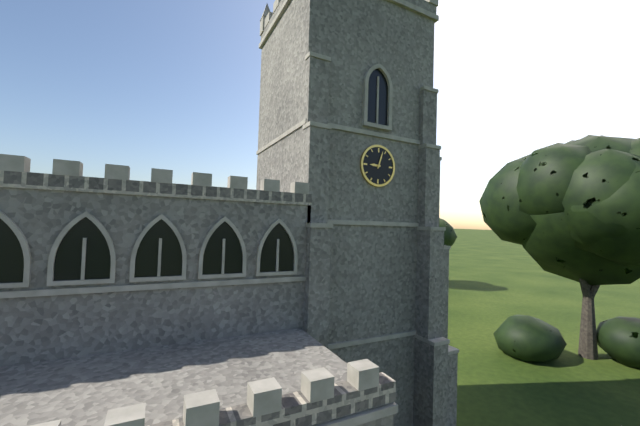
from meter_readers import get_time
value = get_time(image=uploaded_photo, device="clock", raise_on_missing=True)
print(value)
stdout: 9:03
